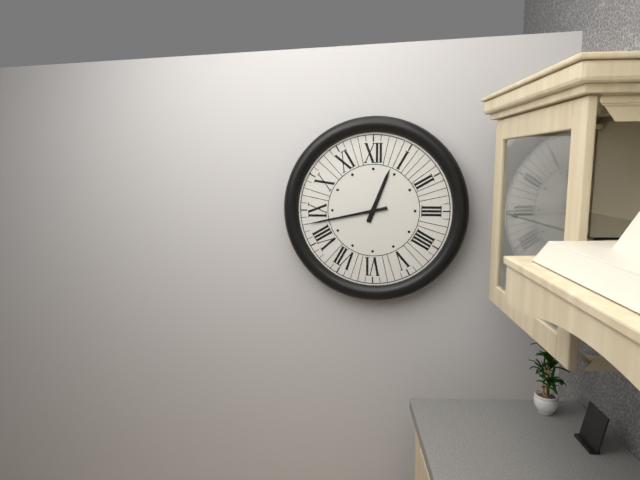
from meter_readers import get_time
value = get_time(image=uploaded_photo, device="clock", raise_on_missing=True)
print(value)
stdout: 12:43
